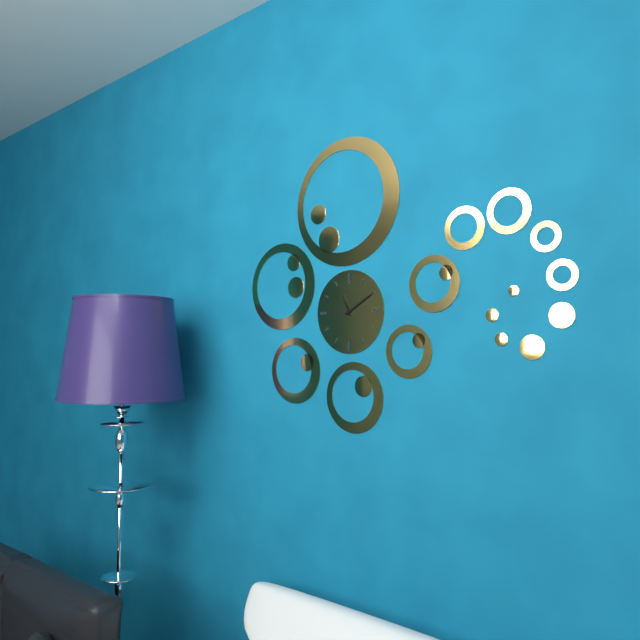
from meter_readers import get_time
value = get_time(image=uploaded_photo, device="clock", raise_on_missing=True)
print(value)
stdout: 11:10
